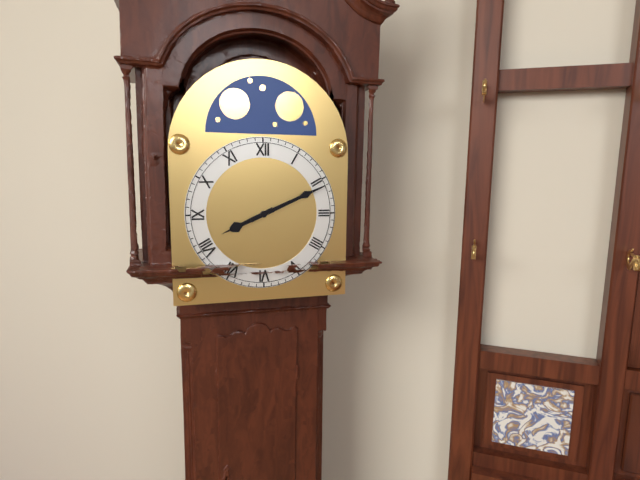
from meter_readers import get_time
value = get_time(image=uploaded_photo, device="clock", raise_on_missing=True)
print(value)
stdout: 8:11
